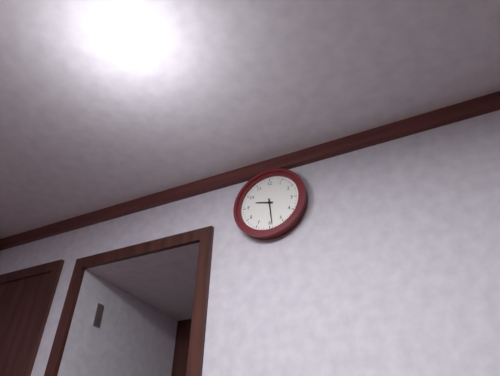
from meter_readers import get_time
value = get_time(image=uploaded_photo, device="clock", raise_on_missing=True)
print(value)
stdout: 9:29
